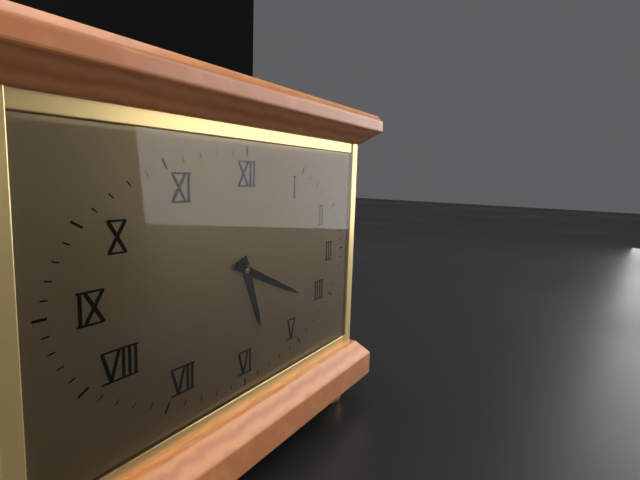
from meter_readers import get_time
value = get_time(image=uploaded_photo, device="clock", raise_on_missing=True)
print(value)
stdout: 5:19
